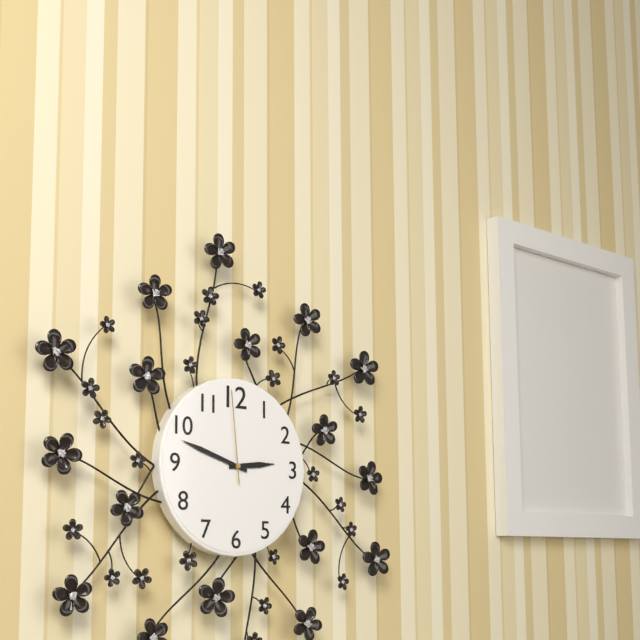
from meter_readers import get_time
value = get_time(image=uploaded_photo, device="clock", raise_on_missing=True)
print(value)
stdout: 2:48:59
